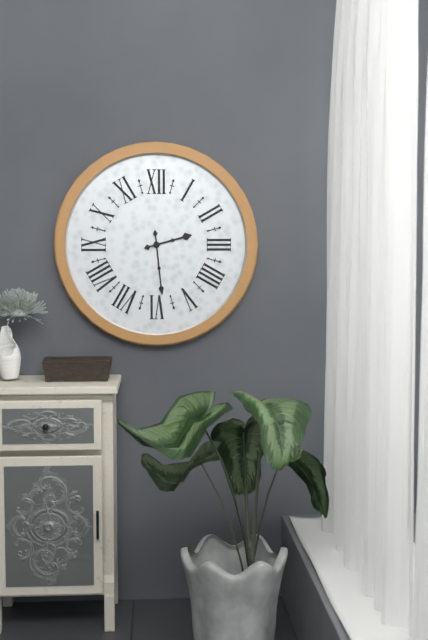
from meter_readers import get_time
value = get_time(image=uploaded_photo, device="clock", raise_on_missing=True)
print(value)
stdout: 2:29
